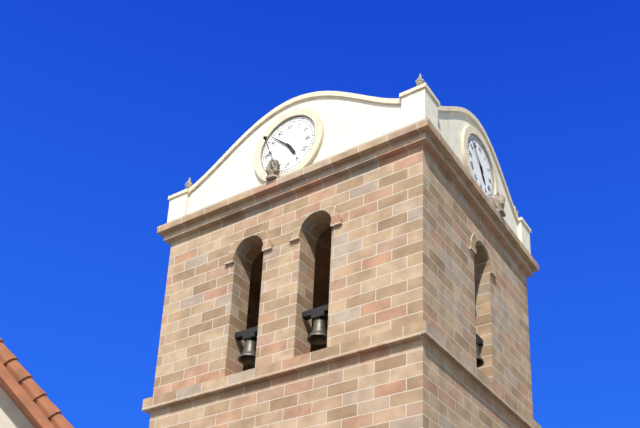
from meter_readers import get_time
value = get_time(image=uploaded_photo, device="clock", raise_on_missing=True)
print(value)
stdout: 4:52
